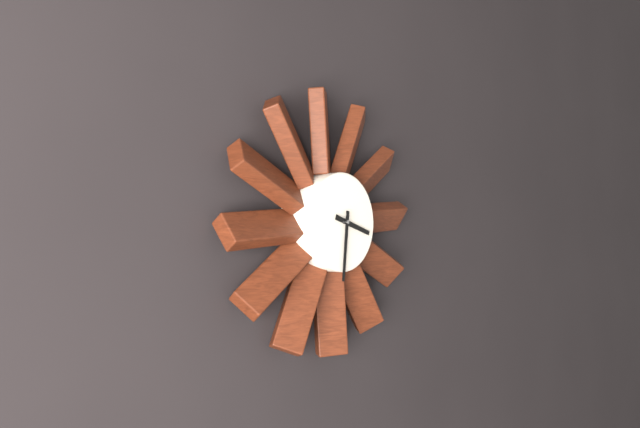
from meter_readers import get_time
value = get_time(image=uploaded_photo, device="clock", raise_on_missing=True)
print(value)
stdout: 3:31
